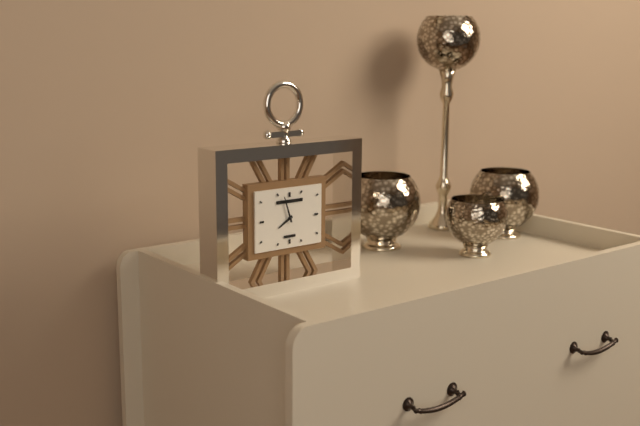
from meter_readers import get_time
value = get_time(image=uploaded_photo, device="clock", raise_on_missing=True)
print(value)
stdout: 7:57
